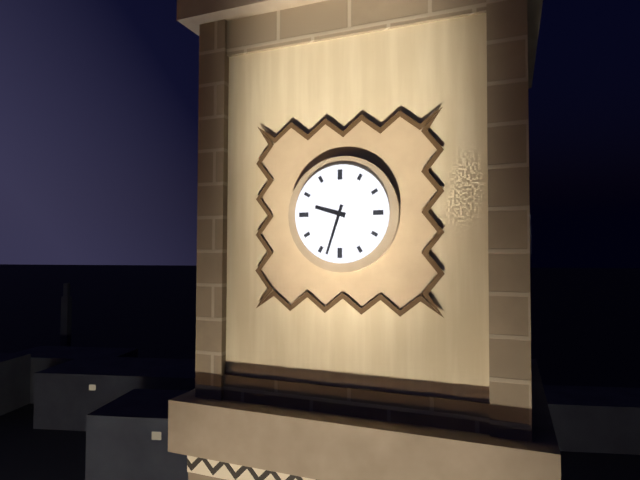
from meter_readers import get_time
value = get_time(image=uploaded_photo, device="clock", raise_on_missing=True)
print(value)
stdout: 9:33
